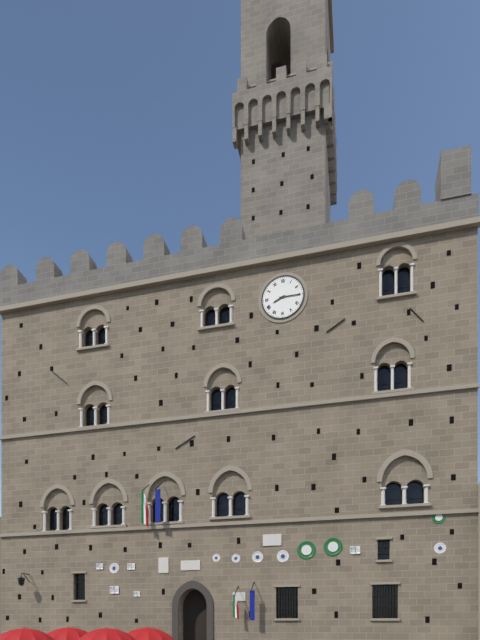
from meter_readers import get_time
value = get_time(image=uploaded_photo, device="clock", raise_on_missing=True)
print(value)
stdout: 8:15
